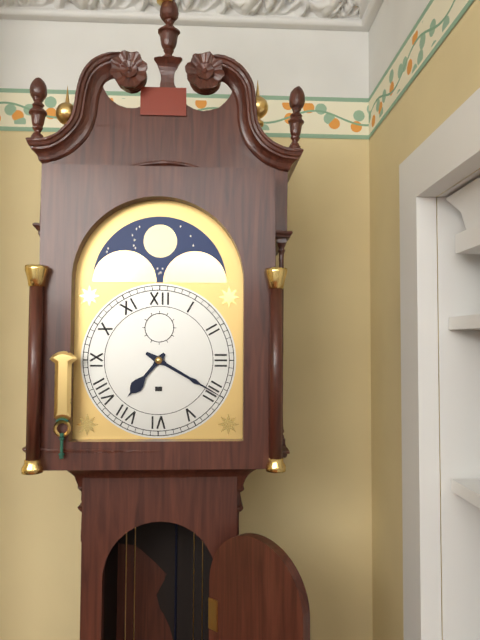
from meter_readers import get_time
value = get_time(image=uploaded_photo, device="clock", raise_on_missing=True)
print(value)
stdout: 7:20
